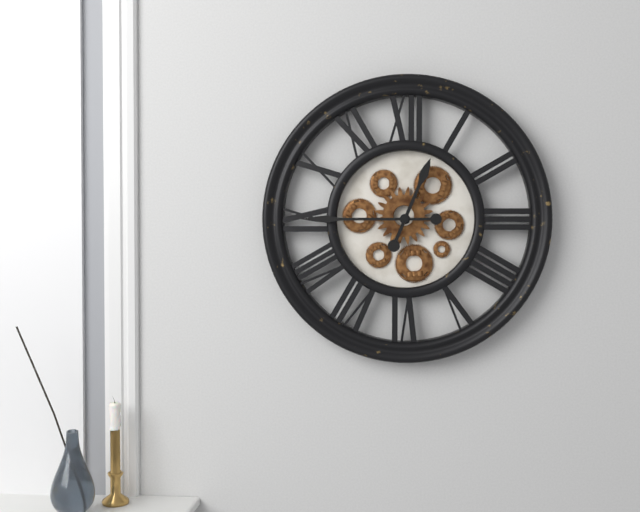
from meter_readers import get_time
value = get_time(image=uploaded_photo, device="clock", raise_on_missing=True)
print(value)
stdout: 12:45
